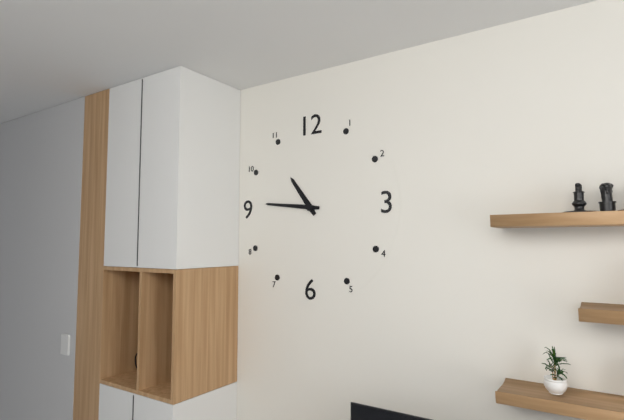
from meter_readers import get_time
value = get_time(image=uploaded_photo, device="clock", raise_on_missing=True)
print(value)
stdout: 10:46
